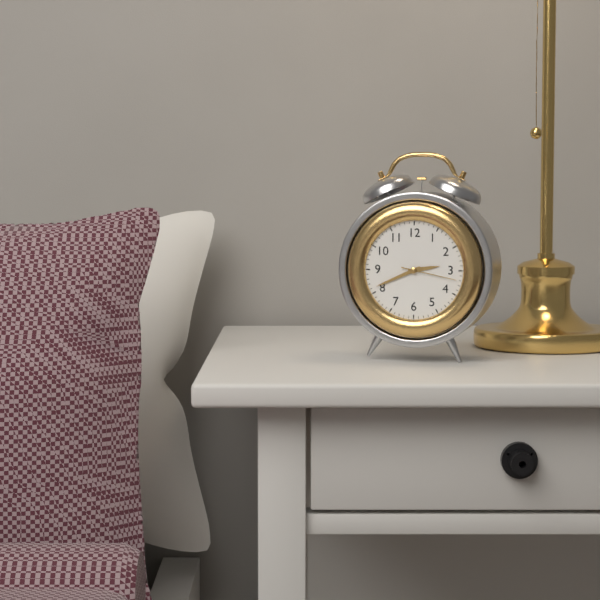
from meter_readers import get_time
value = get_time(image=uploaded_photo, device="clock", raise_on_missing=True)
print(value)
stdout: 2:41:17
